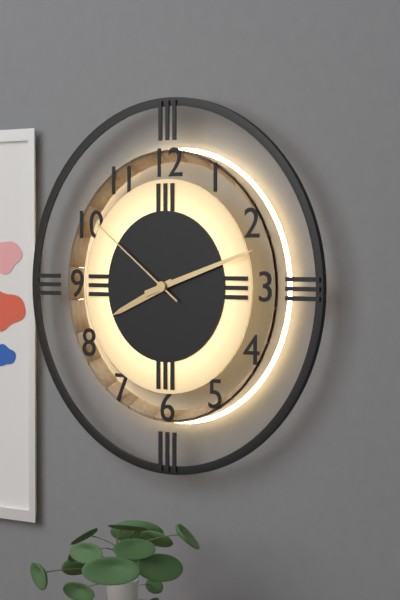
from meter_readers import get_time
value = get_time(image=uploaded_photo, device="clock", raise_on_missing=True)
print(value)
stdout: 8:12:51
